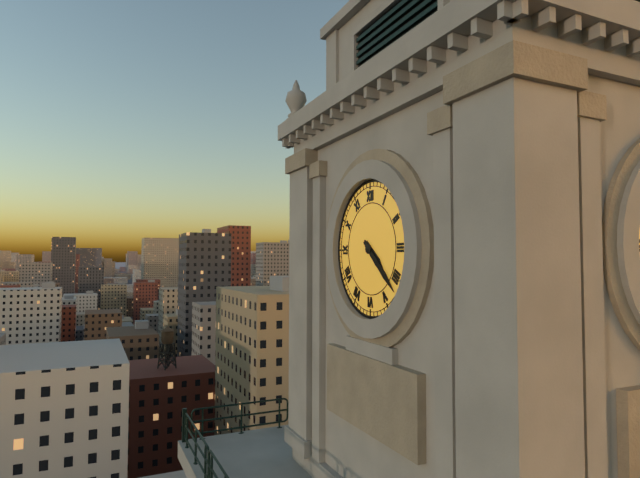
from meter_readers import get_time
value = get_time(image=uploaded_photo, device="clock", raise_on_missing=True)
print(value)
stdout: 4:22
